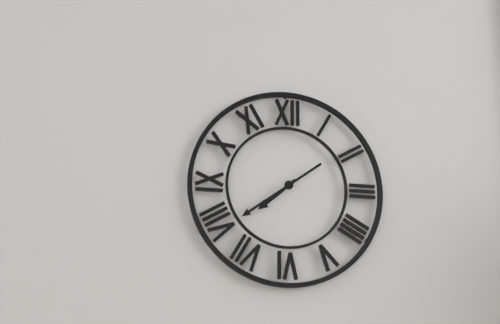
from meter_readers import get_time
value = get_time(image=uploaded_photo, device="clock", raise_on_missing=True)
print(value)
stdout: 7:39
